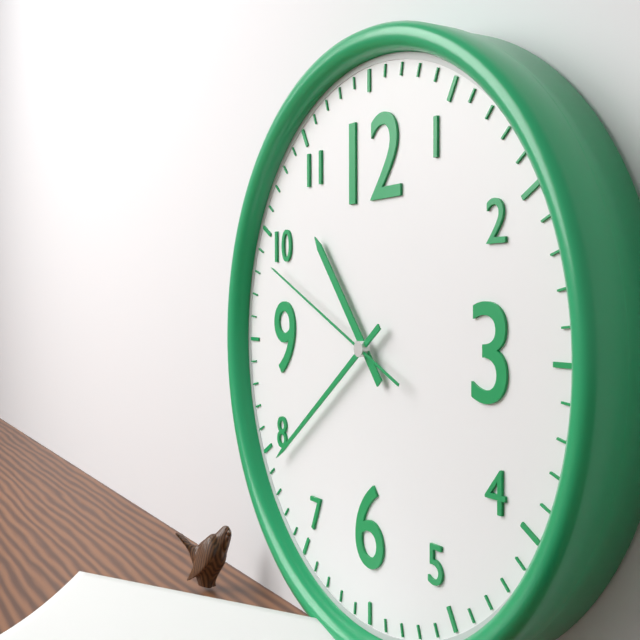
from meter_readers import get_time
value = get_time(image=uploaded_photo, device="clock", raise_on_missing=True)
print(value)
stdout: 10:39:49
